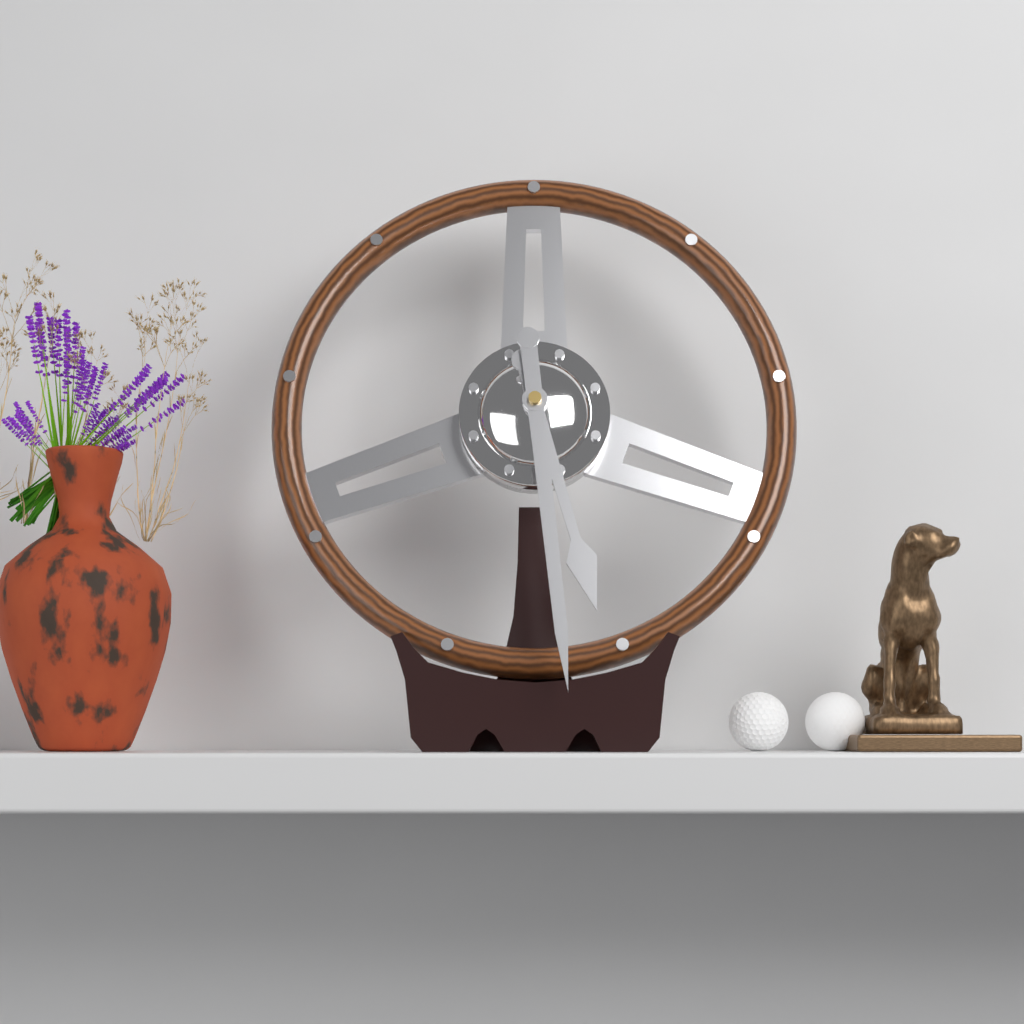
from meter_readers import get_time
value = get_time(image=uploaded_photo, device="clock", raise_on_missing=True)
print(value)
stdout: 5:29
